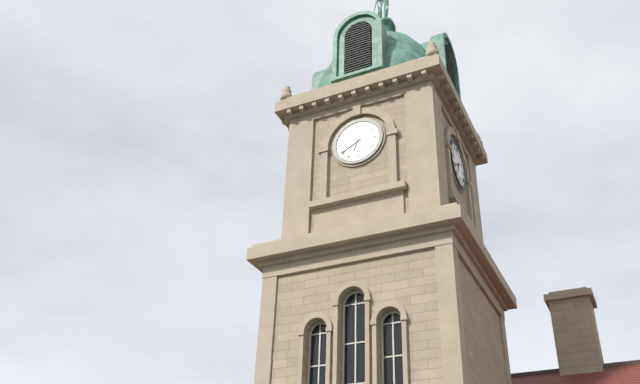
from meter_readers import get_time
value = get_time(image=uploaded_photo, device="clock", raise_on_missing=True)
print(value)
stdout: 6:40
